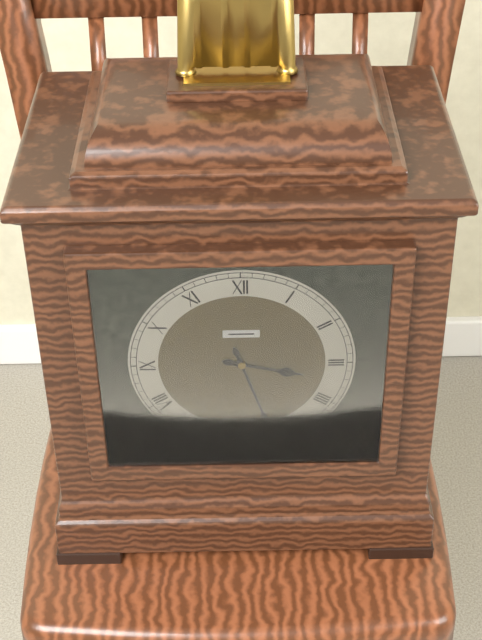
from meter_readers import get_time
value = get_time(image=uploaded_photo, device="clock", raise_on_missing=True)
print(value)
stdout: 3:27
